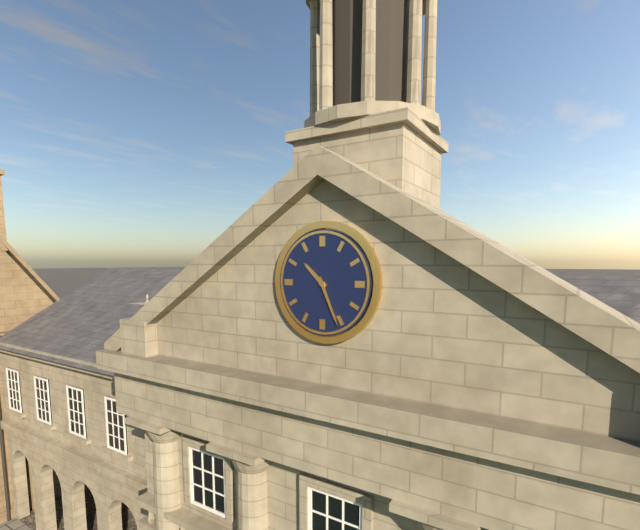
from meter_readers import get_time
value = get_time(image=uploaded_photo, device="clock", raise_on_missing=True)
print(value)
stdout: 10:26
